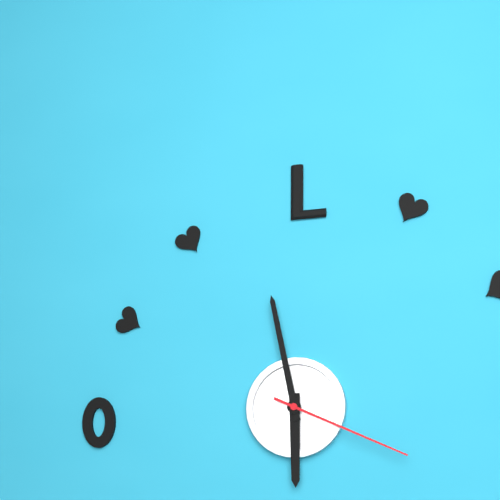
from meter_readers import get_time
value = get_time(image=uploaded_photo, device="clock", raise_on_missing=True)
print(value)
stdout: 5:58:19
